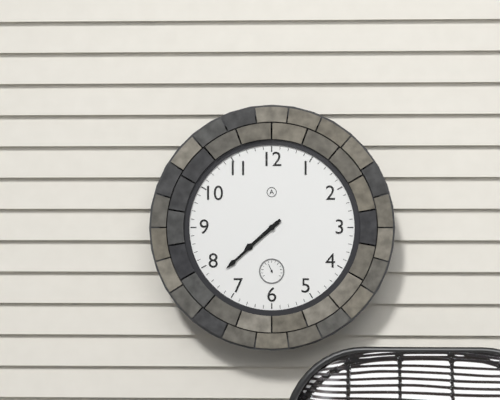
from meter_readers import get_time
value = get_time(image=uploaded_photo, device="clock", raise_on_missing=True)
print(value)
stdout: 7:38
